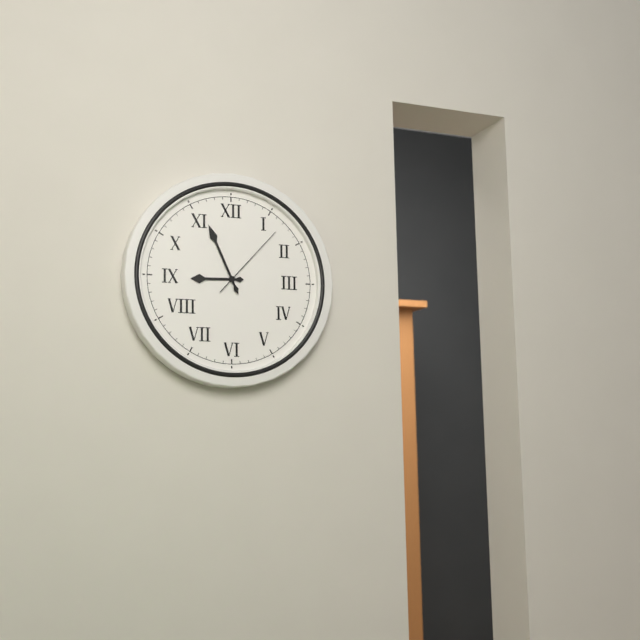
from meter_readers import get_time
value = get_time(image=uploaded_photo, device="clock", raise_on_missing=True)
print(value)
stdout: 8:56:07
